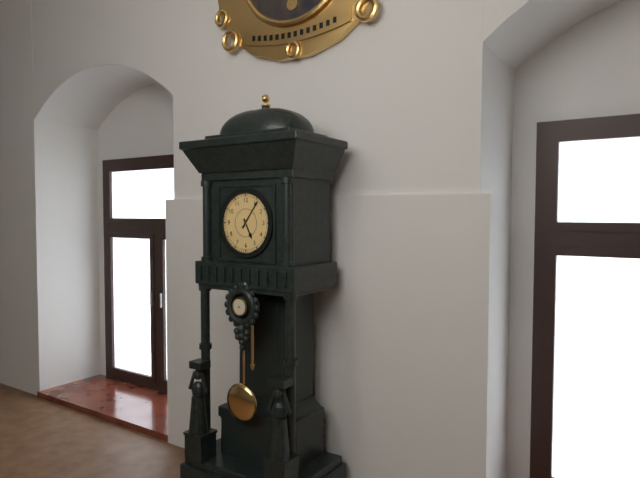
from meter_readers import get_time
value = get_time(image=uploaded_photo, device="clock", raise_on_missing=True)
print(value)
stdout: 5:06
